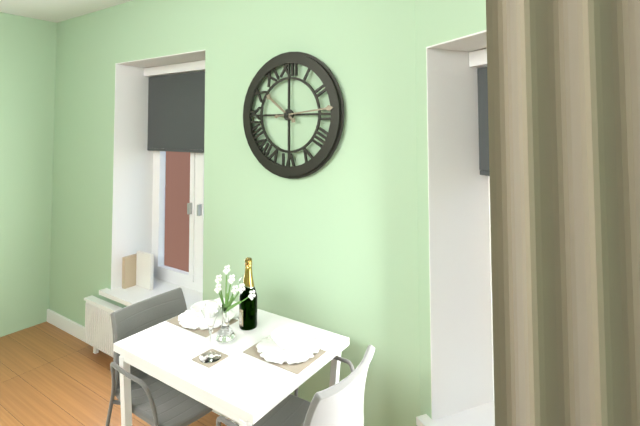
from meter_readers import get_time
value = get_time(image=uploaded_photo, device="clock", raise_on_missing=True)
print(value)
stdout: 10:14
